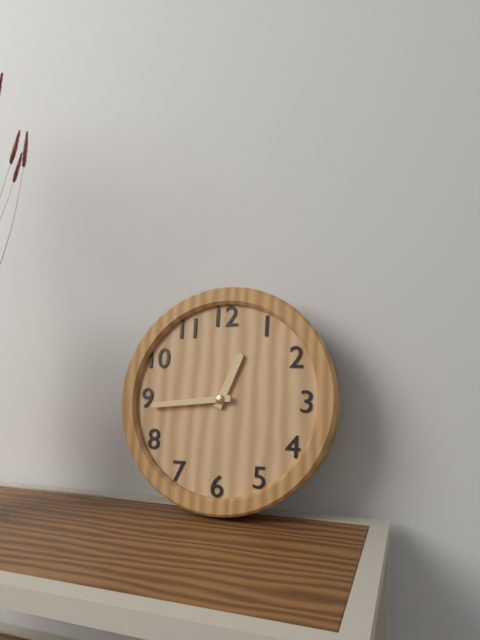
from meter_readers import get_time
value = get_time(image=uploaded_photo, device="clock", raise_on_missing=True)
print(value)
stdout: 12:44
